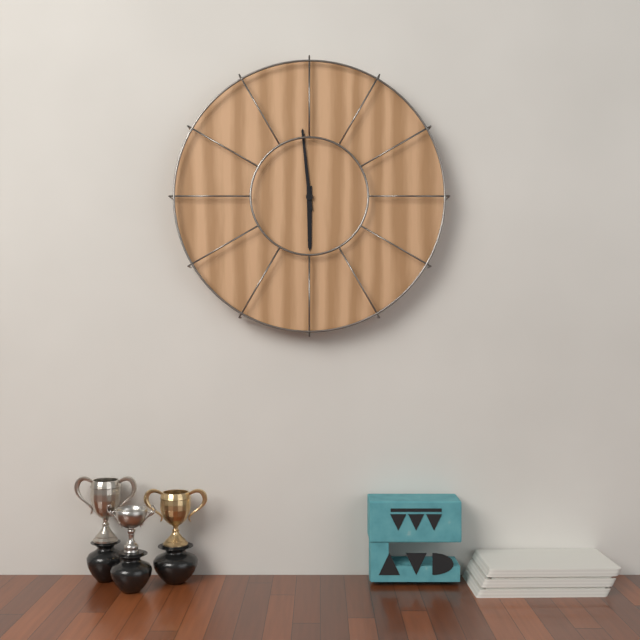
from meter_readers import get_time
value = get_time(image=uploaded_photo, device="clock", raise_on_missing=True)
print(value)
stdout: 5:59
